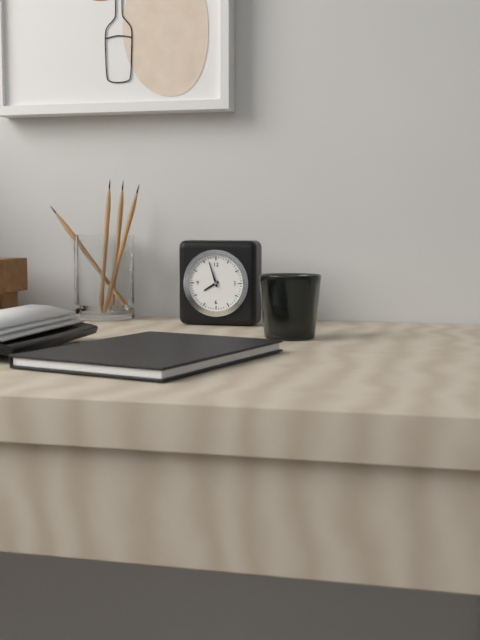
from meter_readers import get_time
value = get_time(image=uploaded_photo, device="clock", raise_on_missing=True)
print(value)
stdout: 7:57
